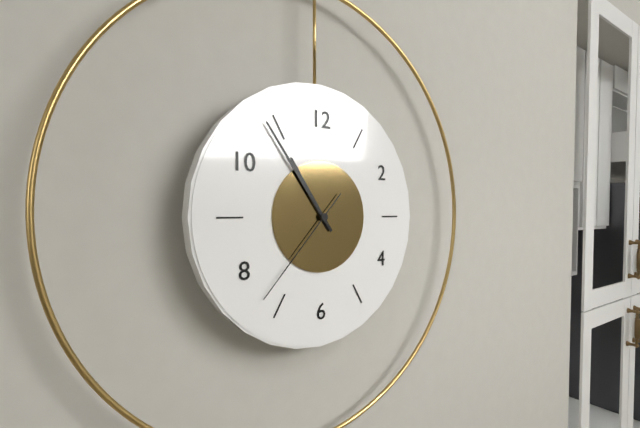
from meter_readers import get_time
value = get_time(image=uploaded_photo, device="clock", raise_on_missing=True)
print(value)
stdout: 10:54:37
